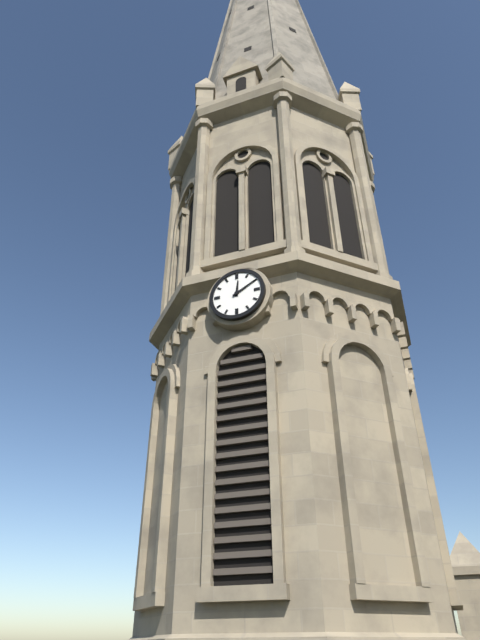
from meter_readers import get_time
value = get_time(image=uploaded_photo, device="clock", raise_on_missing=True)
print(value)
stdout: 12:10
